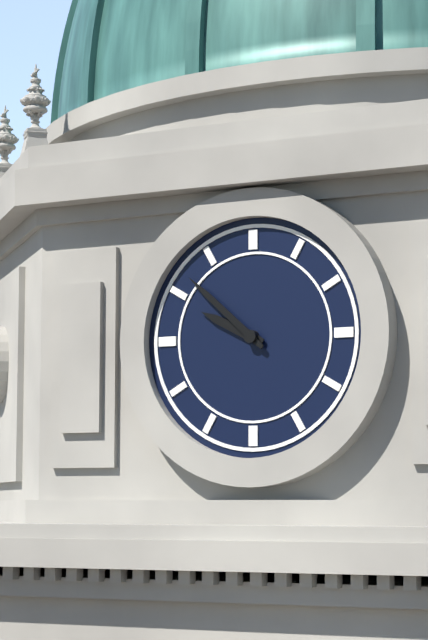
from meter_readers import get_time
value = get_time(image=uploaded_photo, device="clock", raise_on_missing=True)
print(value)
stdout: 9:52
